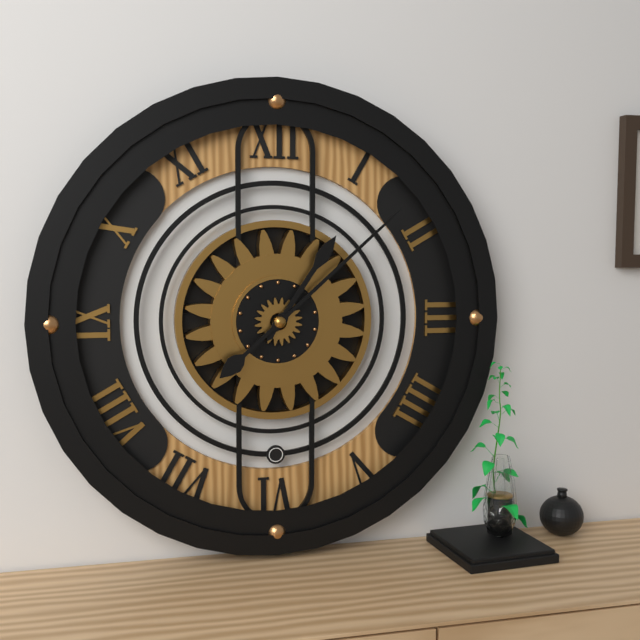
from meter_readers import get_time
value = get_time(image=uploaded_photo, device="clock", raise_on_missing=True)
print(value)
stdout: 1:08
